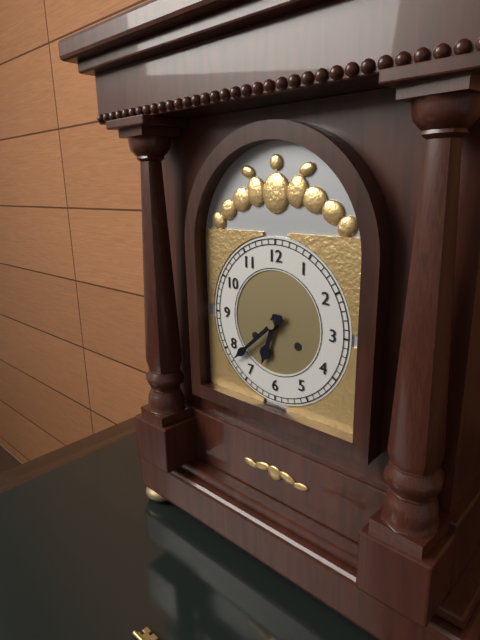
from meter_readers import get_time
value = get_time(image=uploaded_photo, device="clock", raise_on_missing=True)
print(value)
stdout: 6:38
